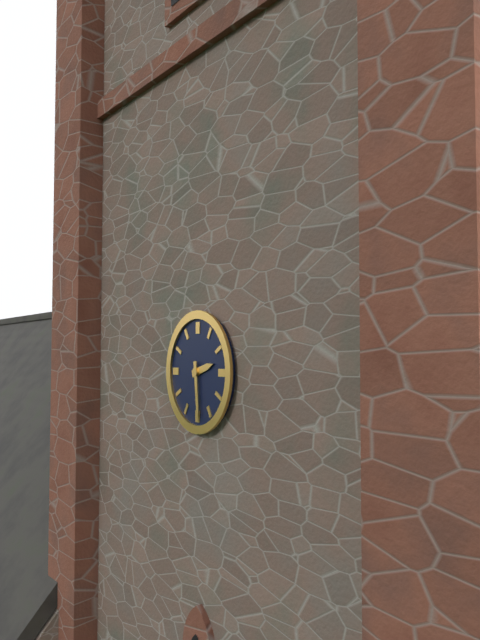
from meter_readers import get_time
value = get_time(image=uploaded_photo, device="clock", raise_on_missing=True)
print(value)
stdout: 2:29
